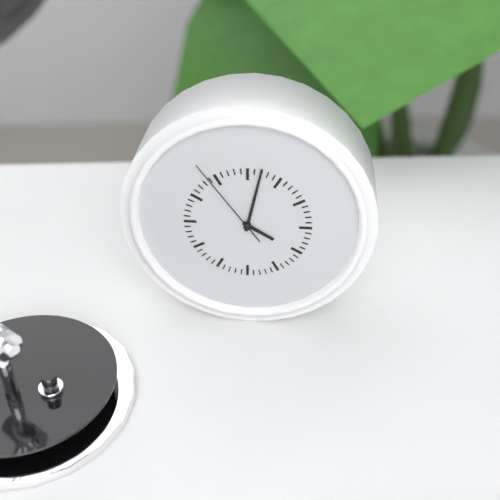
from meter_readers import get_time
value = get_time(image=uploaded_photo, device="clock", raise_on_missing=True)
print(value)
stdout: 4:02:54
